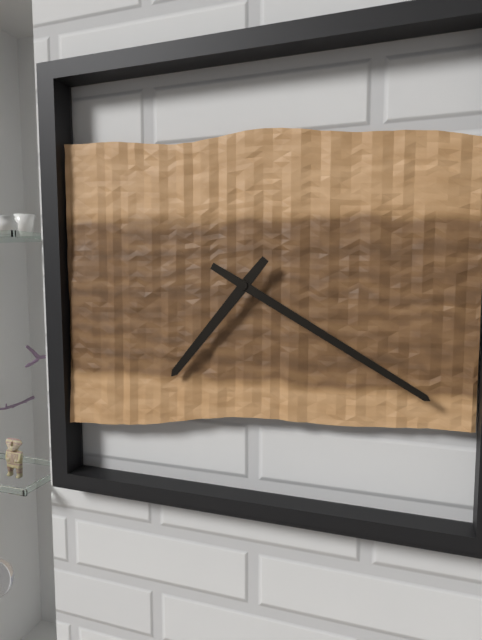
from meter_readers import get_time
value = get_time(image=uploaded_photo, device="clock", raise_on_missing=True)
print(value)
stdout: 7:20
